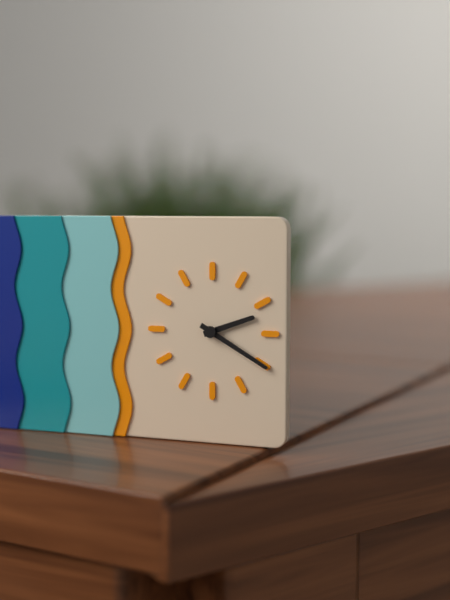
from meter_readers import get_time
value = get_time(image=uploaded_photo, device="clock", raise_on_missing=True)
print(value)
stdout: 2:20
